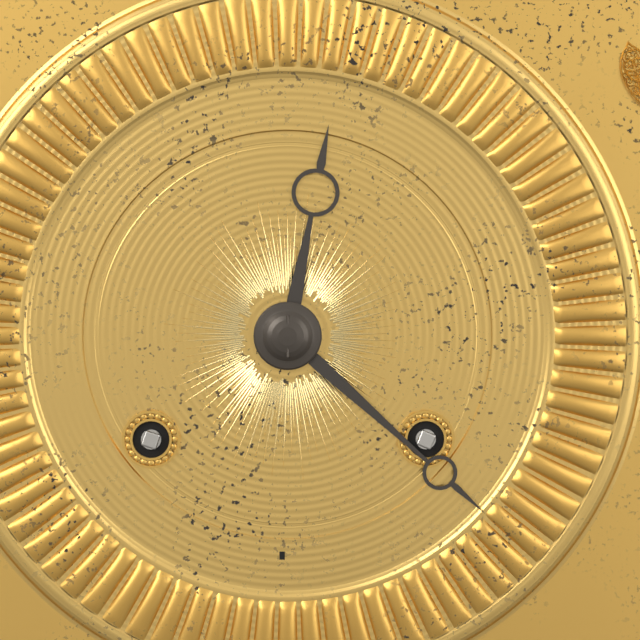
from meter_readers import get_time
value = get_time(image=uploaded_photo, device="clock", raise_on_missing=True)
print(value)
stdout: 12:22
